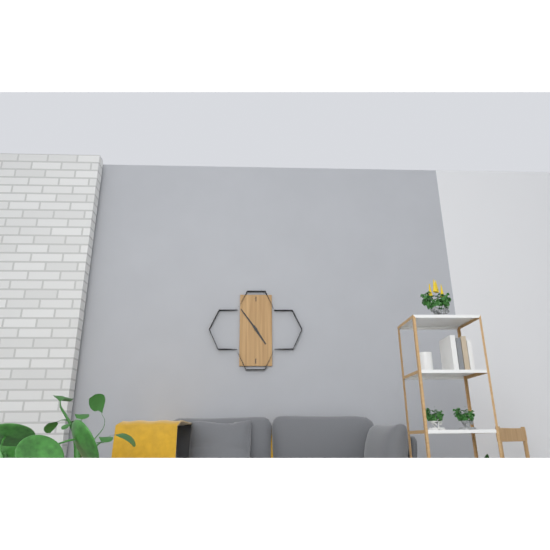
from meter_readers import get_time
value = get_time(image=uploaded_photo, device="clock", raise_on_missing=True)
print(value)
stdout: 4:54
